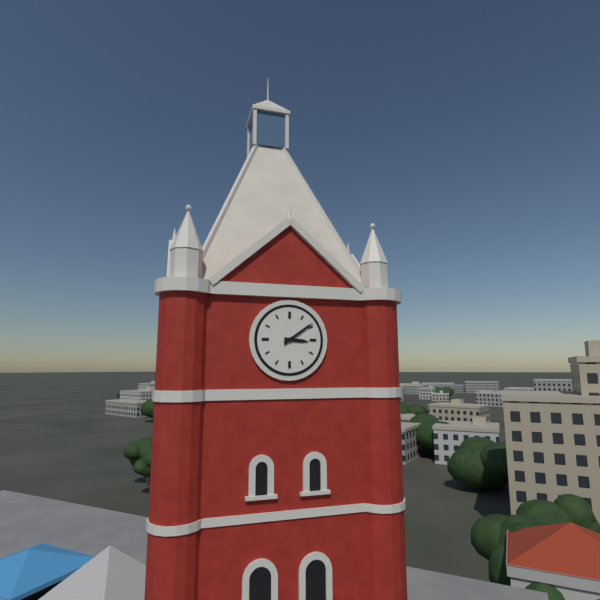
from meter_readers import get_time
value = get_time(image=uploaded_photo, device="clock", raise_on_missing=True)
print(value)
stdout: 3:09
